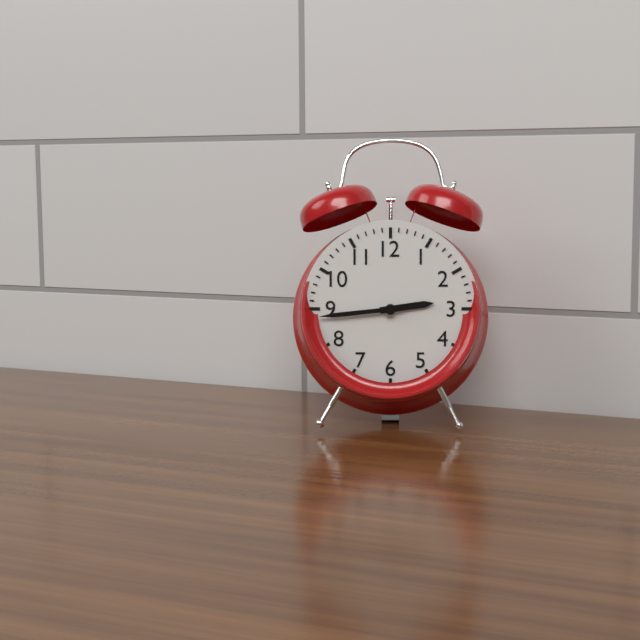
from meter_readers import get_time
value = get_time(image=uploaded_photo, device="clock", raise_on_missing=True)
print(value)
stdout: 2:44
